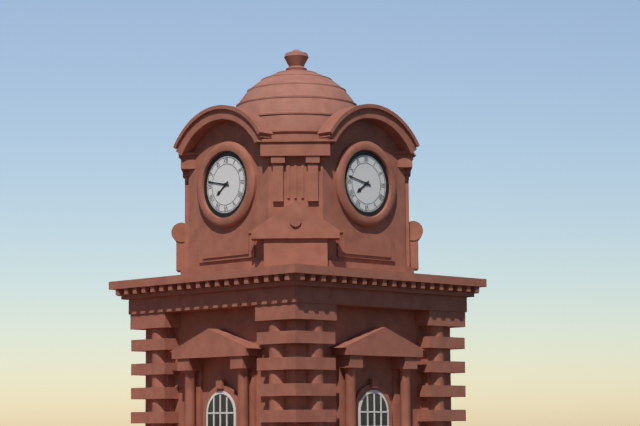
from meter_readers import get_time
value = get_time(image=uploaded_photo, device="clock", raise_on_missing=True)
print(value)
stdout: 7:47
